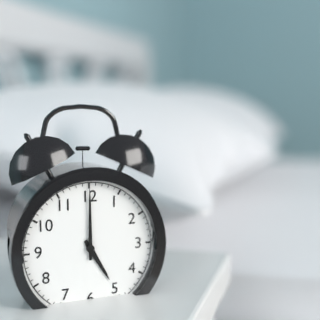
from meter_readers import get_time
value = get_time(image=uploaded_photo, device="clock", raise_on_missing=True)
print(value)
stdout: 5:00
